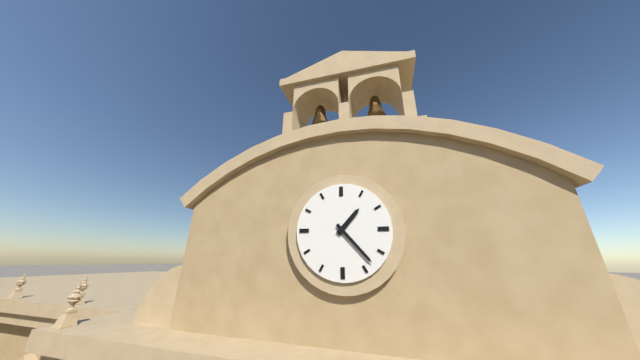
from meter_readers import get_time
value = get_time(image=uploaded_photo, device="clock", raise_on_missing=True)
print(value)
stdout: 1:23
